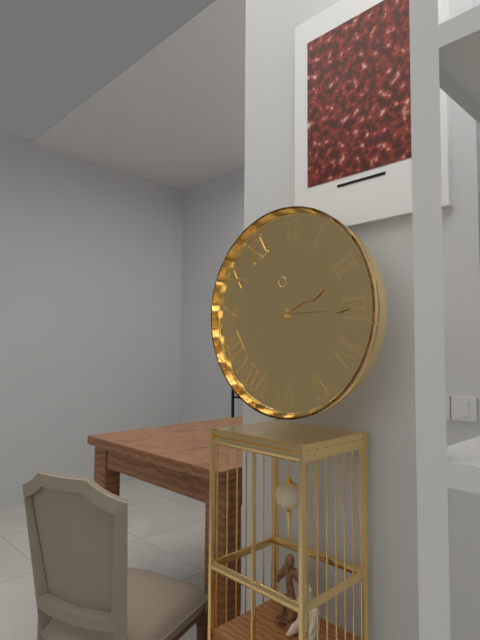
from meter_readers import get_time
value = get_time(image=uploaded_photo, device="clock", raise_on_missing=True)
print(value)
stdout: 2:15
